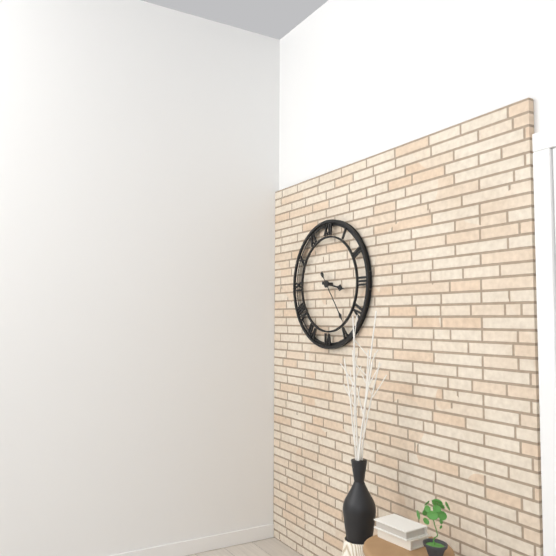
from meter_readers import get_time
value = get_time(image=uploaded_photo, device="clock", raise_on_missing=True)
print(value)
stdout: 3:24
